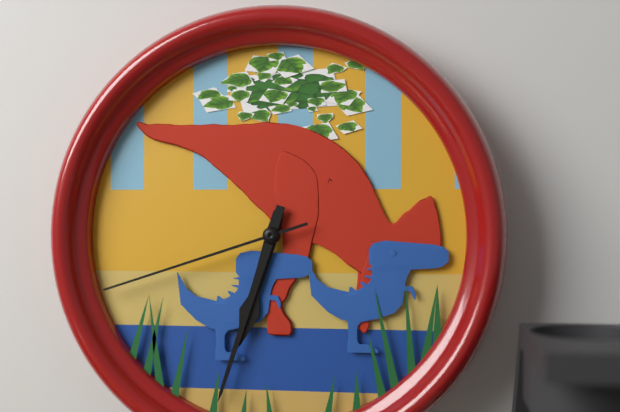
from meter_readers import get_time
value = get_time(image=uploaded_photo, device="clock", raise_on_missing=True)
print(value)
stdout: 6:33:42
